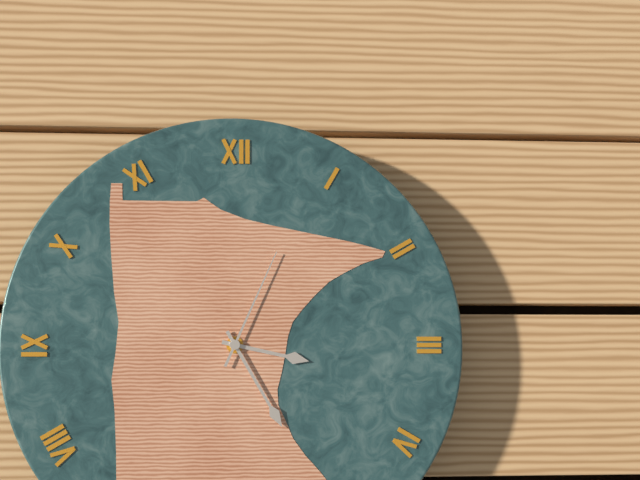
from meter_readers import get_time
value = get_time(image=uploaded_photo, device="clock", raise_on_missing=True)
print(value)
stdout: 3:25:04
